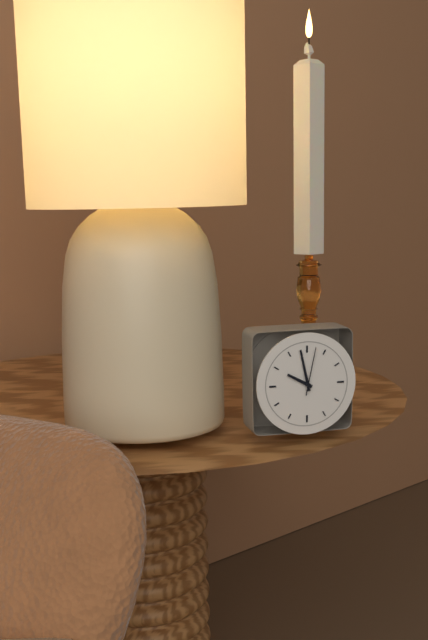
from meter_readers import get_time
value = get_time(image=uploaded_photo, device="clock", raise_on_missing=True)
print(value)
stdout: 9:58
